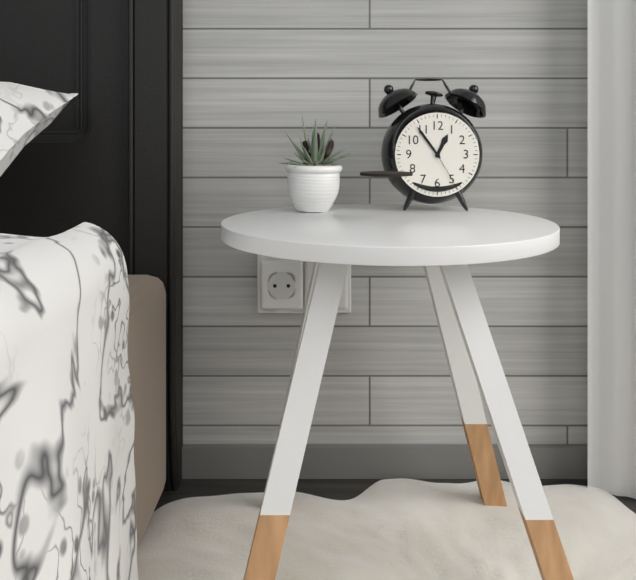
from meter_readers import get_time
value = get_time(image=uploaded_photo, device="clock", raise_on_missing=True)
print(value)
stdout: 12:54
